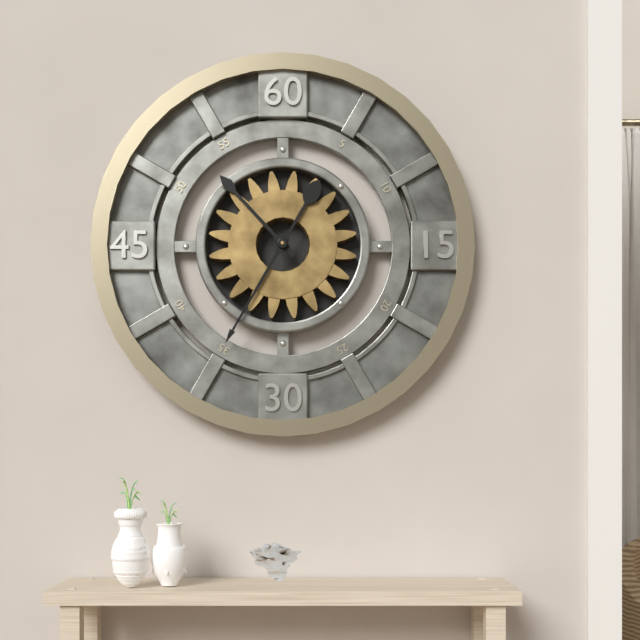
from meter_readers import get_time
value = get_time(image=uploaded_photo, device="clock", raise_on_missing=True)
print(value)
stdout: 10:35
